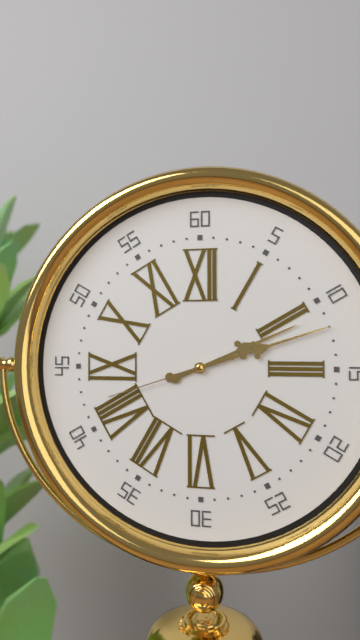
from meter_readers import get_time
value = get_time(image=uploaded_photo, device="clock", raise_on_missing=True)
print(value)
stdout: 2:12:42
